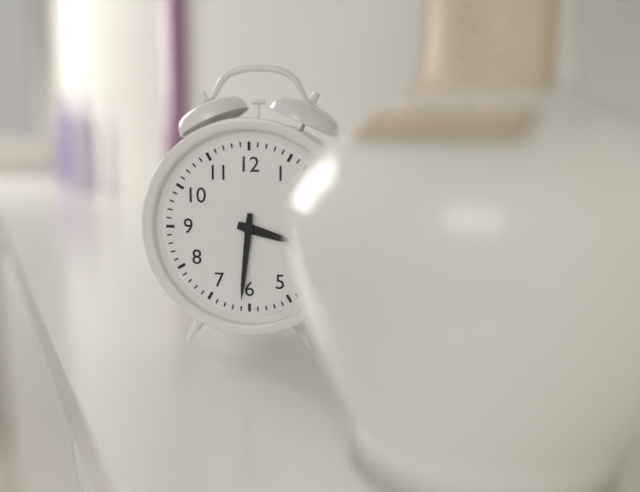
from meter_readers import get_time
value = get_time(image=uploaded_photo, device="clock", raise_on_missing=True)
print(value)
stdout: 3:31
